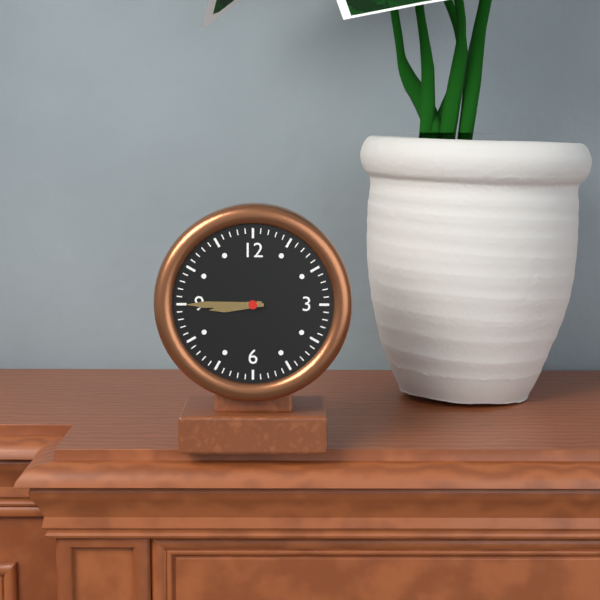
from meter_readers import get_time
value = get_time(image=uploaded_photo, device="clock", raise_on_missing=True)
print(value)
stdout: 8:45
